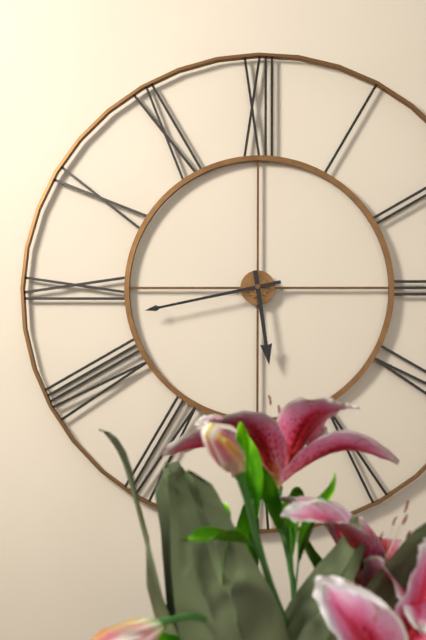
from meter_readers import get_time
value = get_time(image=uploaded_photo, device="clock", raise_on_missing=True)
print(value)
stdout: 5:43
